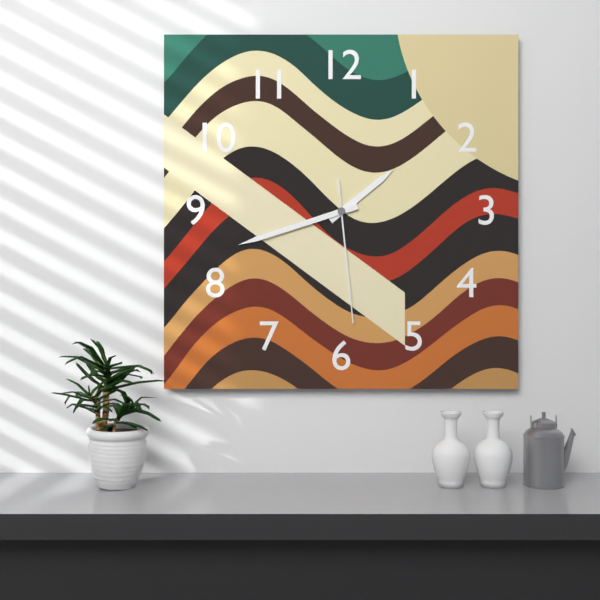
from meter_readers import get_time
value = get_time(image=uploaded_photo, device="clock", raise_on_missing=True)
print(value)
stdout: 1:42:29
